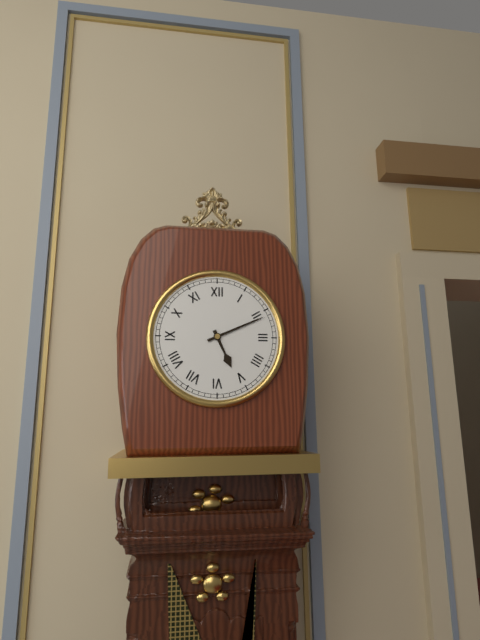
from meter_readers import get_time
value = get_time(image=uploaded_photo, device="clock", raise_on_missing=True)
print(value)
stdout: 5:11
